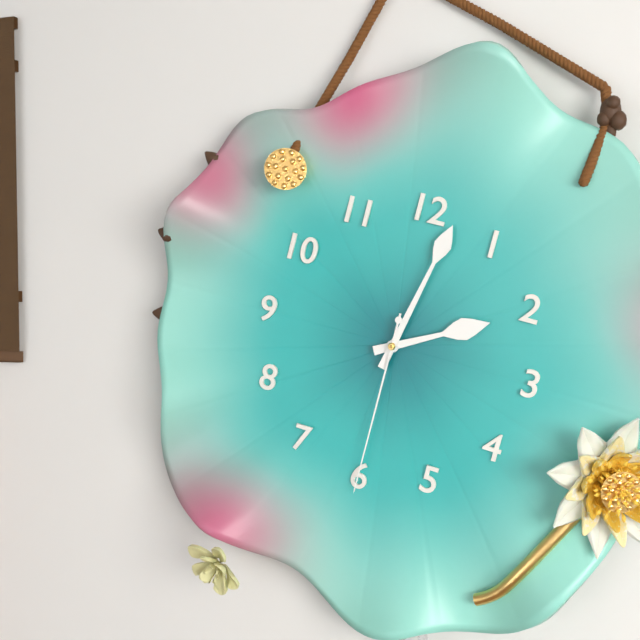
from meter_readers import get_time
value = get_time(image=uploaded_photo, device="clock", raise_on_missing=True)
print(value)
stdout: 2:02:30
